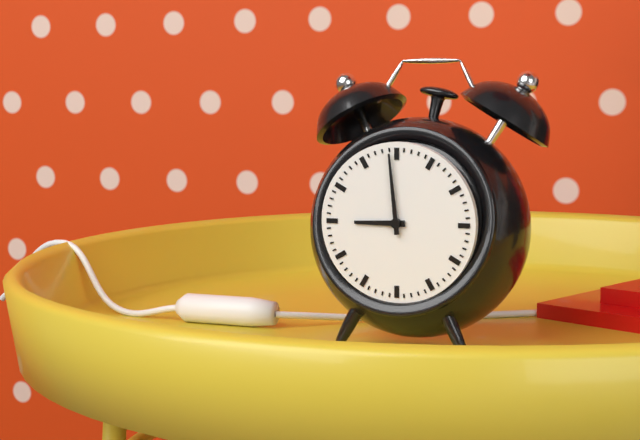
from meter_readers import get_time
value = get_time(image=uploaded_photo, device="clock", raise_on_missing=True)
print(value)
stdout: 8:59
